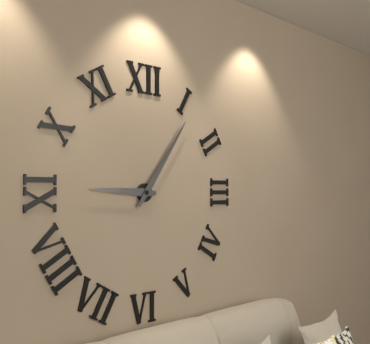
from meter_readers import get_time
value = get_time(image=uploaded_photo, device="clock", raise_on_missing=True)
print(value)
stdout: 9:06
